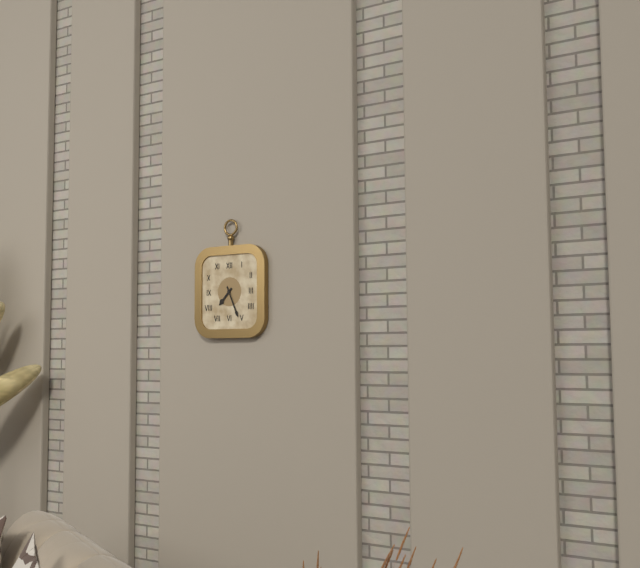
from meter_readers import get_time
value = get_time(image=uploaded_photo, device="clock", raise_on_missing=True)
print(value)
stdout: 7:26
